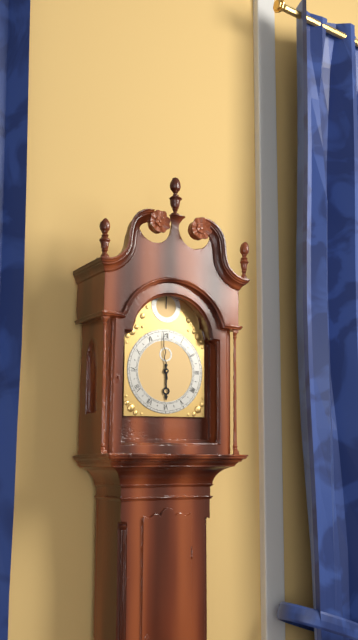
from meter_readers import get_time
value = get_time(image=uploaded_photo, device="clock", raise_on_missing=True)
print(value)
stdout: 5:59
